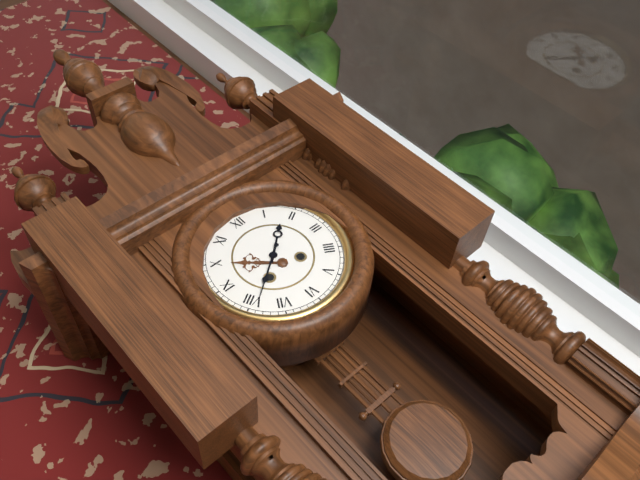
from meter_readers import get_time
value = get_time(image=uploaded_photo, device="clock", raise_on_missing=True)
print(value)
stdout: 1:39
